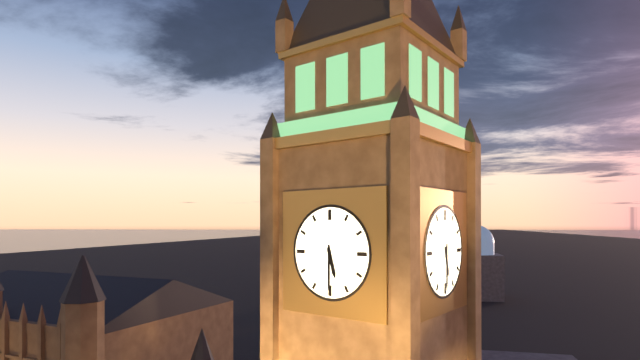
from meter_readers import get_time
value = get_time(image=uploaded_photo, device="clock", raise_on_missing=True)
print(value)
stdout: 5:30
